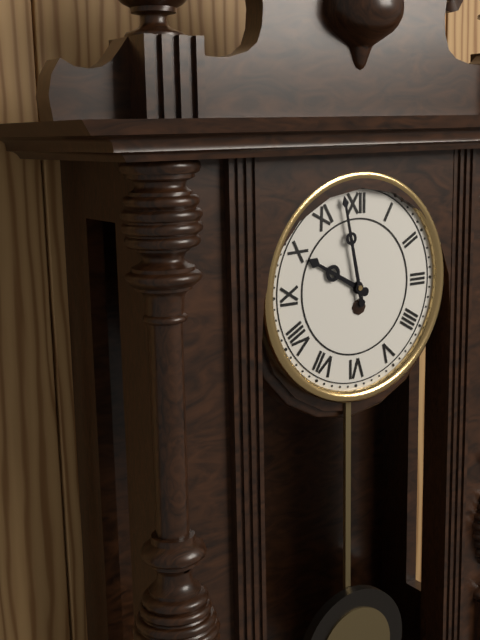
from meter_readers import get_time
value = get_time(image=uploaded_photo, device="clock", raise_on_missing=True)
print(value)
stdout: 9:58
